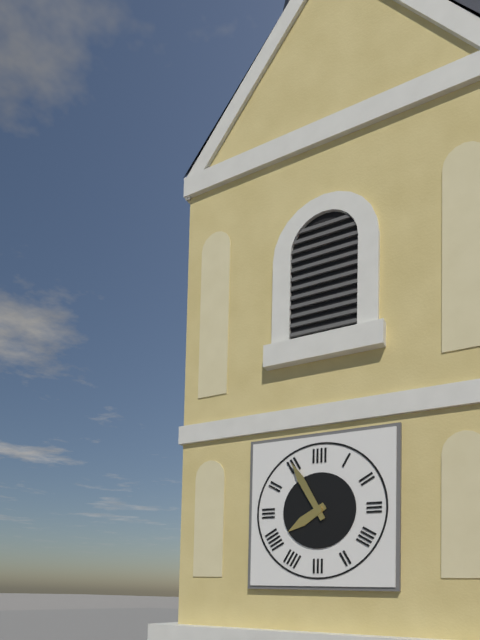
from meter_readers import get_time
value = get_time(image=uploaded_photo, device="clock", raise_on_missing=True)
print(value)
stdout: 7:55
